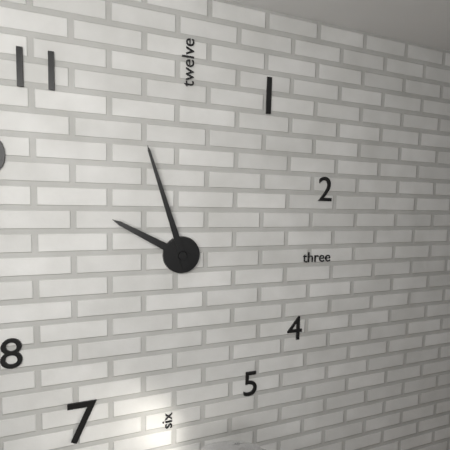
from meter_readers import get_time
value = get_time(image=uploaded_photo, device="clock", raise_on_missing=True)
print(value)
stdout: 9:57
